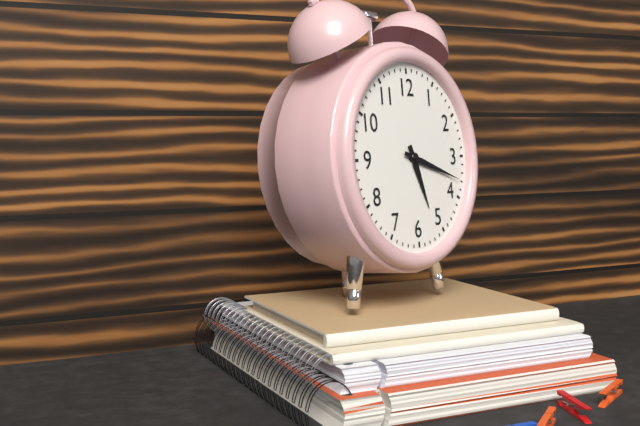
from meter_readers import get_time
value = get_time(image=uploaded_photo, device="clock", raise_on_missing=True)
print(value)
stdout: 5:18
